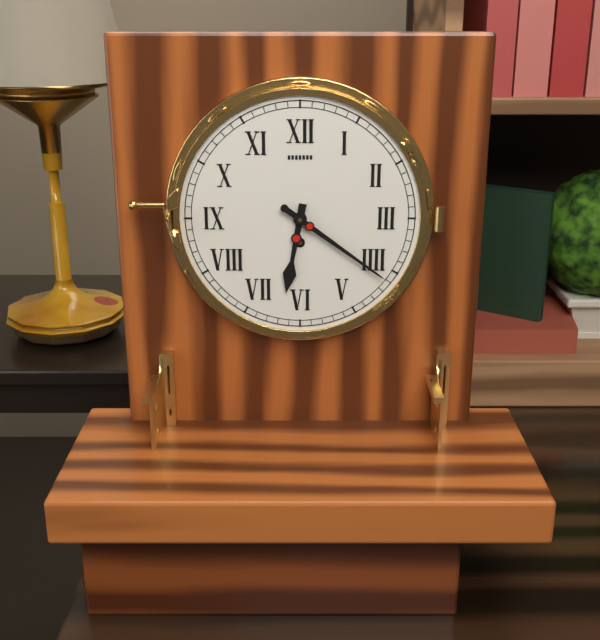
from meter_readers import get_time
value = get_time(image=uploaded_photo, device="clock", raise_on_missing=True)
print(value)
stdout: 6:21
